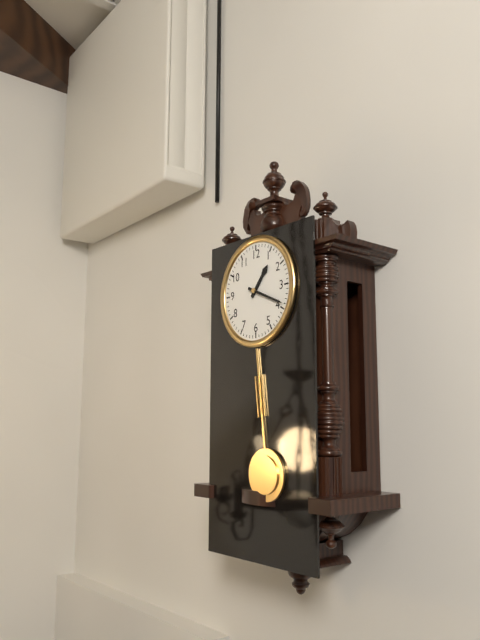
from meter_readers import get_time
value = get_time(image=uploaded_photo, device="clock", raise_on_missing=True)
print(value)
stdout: 1:19
